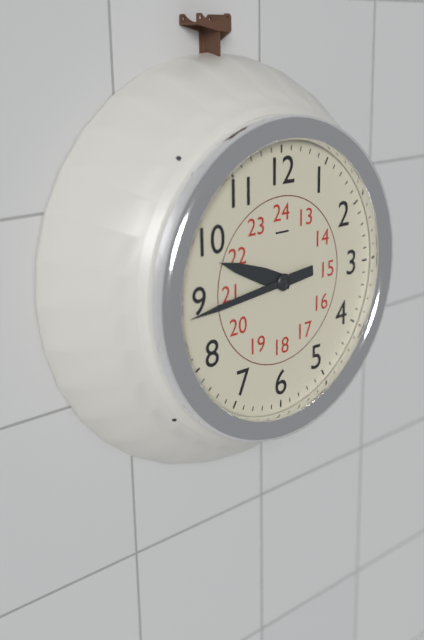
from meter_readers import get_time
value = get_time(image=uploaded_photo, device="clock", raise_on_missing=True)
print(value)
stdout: 9:44
